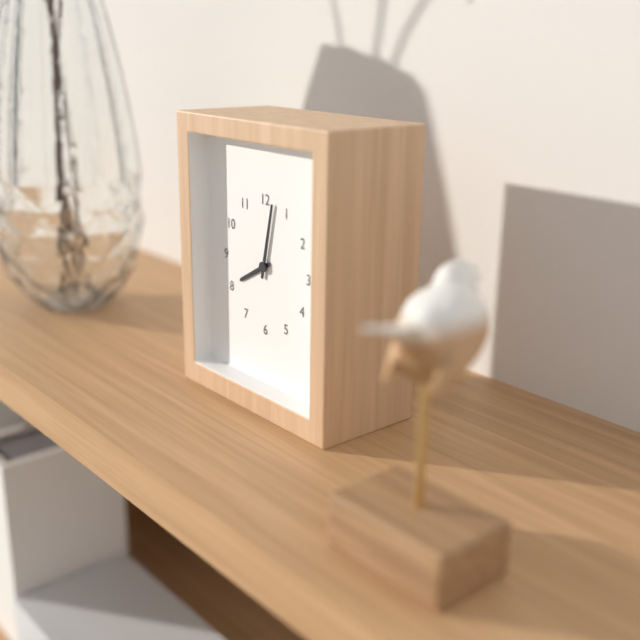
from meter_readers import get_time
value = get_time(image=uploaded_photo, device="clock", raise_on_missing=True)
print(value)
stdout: 8:02
